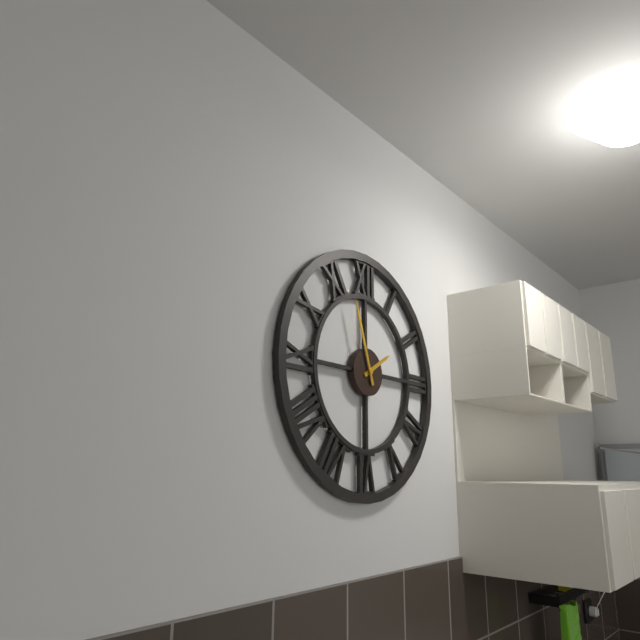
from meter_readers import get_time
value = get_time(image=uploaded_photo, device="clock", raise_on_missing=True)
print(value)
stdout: 1:57
